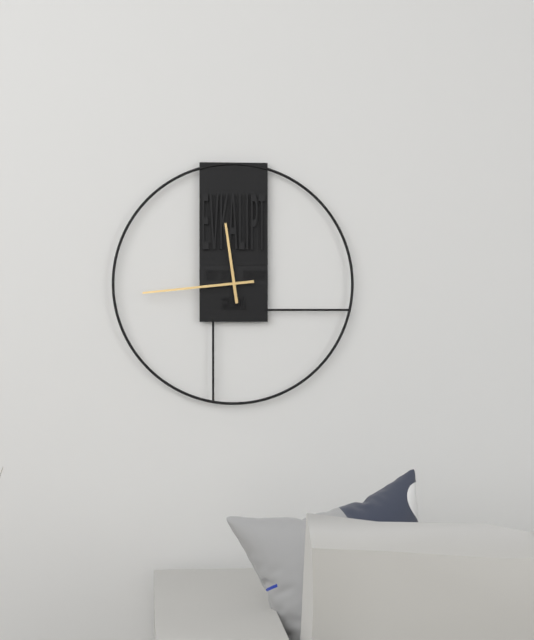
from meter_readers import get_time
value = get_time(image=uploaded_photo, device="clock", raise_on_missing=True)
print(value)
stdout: 11:44
